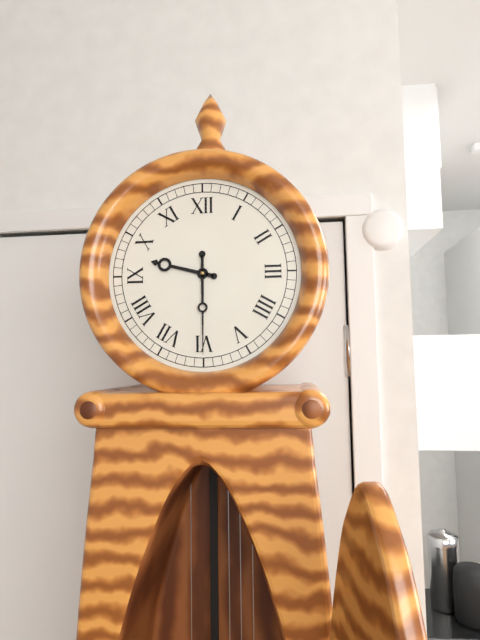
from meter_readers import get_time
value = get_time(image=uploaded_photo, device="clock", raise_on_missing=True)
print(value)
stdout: 9:30
